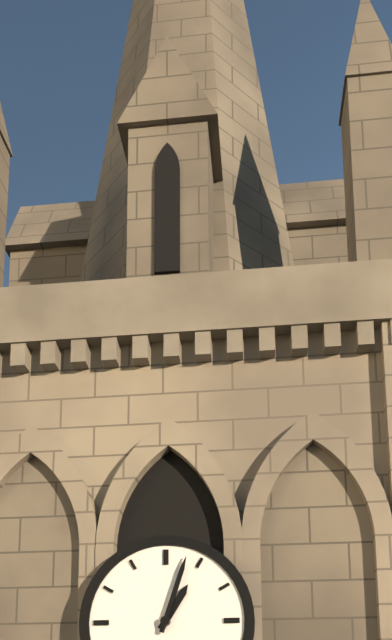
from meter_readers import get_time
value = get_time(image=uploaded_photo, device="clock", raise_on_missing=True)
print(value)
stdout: 1:03
